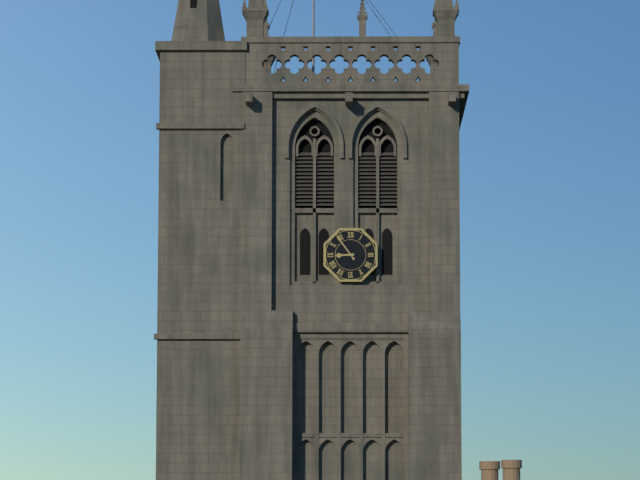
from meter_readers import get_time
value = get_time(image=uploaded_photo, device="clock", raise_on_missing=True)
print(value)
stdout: 8:54
